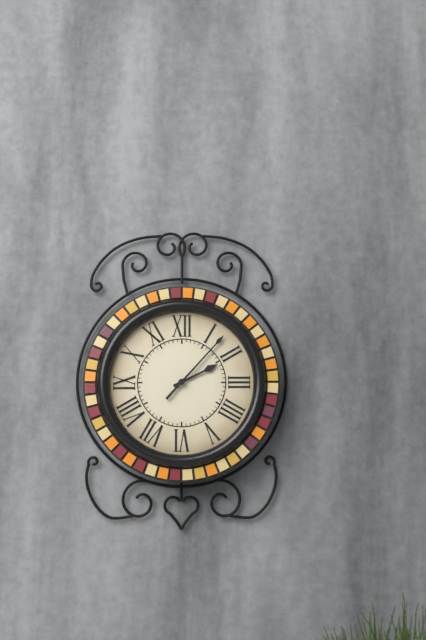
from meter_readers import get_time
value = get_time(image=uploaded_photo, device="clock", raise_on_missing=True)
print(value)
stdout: 2:07
